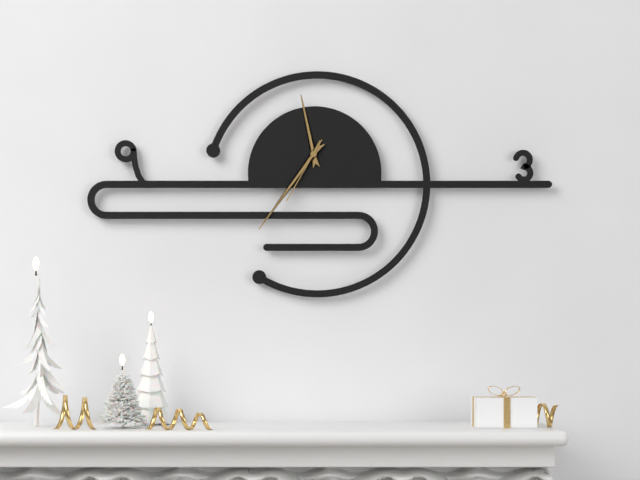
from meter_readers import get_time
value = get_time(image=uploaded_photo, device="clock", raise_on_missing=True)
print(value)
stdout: 11:36:35
